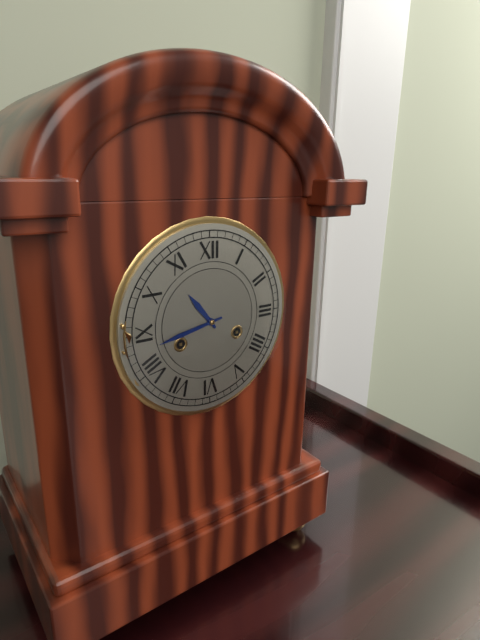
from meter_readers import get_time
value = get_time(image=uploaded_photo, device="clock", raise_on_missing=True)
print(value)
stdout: 10:43
